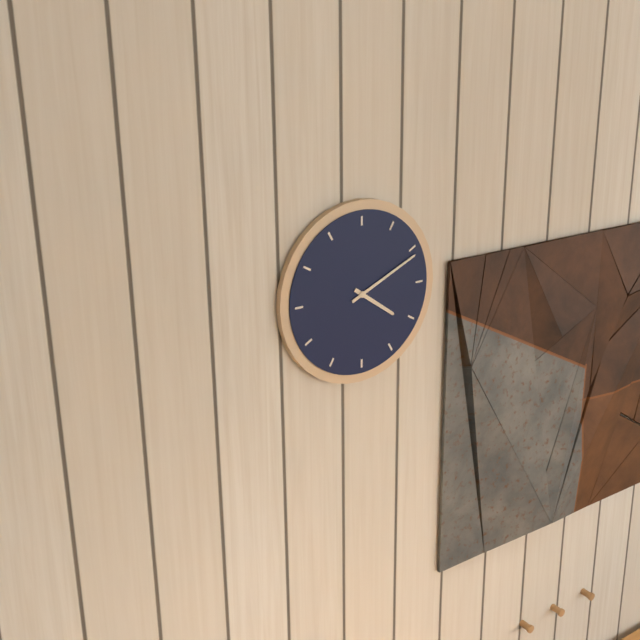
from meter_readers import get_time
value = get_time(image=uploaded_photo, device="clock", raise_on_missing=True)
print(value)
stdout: 4:11
